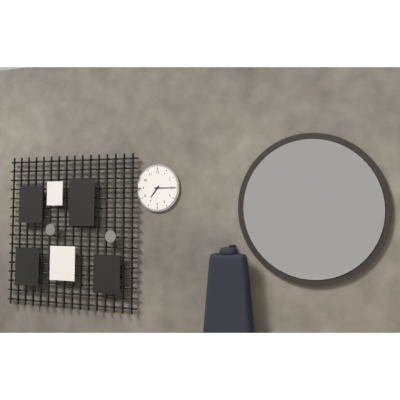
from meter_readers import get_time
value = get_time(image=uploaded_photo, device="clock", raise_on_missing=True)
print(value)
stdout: 7:15
